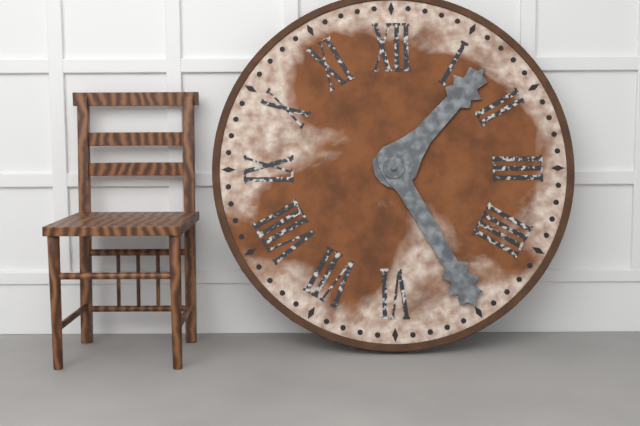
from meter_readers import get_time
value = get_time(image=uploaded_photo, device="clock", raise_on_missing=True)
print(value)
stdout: 1:25
